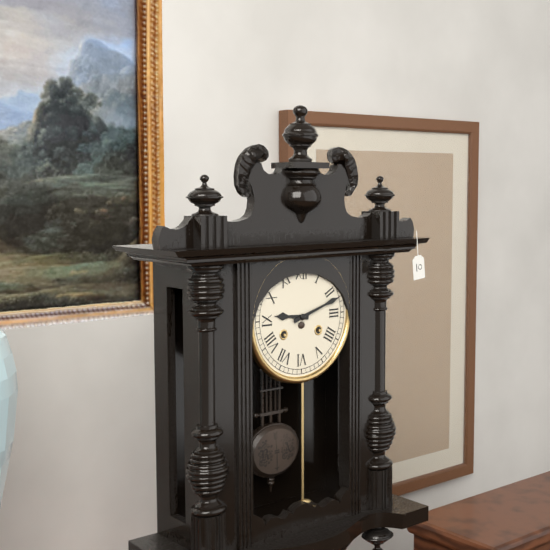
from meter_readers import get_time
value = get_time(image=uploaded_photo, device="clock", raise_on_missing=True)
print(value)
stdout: 9:12
